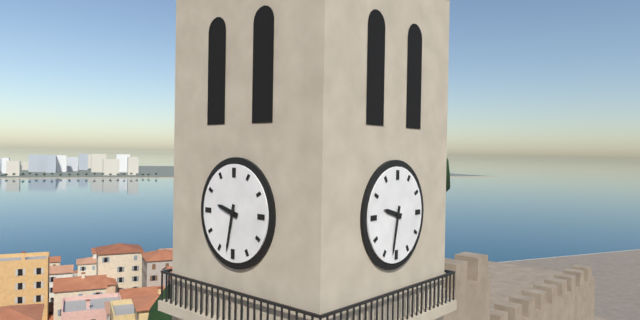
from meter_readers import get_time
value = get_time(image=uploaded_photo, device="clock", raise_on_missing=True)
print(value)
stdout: 9:32
